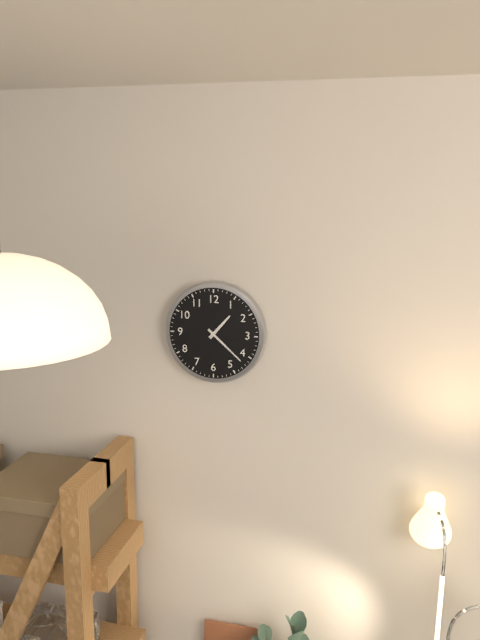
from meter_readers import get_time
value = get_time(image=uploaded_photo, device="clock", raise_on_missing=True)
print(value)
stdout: 1:22
